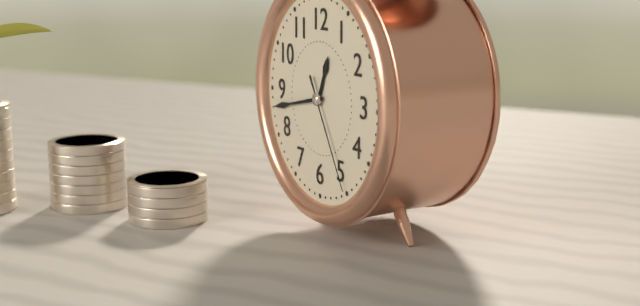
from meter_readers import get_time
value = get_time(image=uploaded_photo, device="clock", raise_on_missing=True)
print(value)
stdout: 12:43:25
